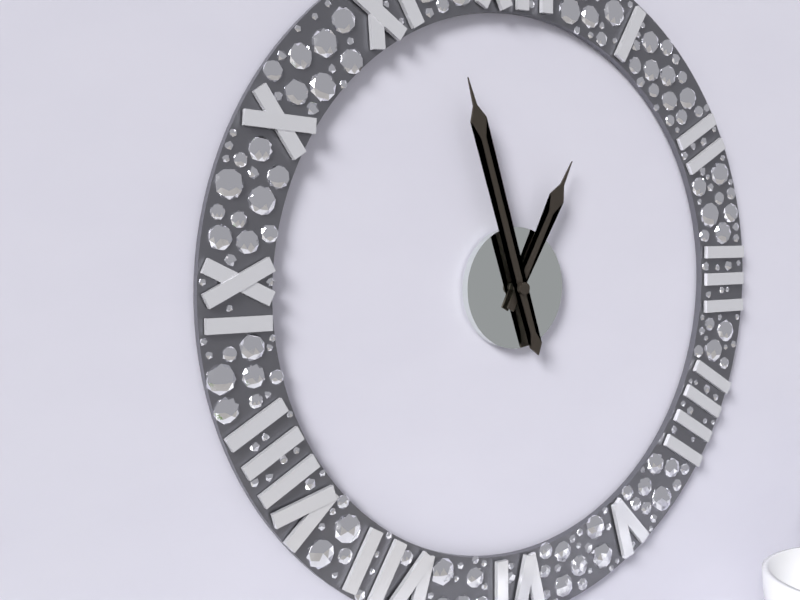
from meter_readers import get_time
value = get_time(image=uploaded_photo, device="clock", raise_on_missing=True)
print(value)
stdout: 12:57
